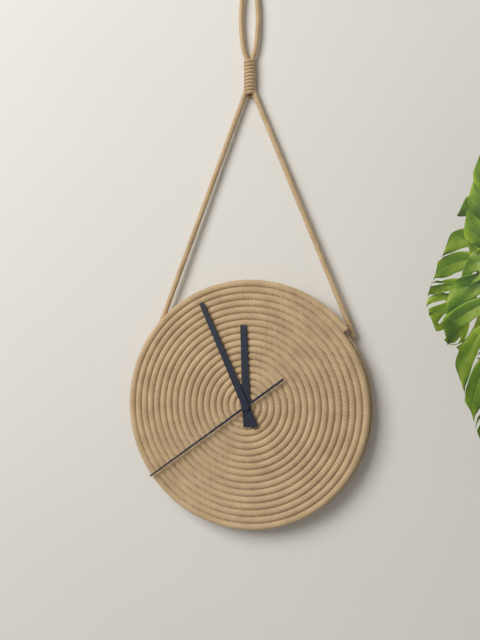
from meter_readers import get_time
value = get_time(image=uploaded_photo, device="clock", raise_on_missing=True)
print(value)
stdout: 11:56:39
